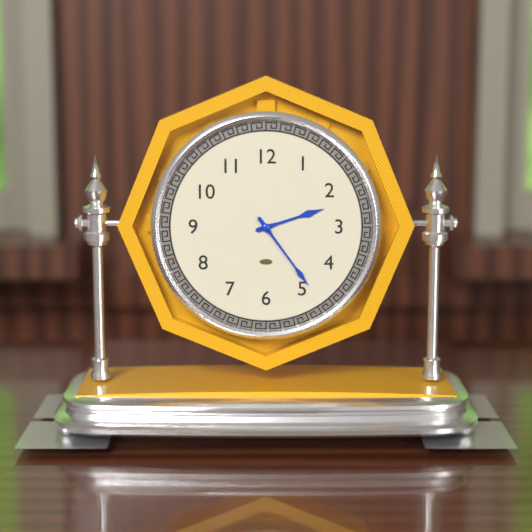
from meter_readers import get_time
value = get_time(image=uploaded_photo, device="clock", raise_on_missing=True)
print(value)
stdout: 2:24
